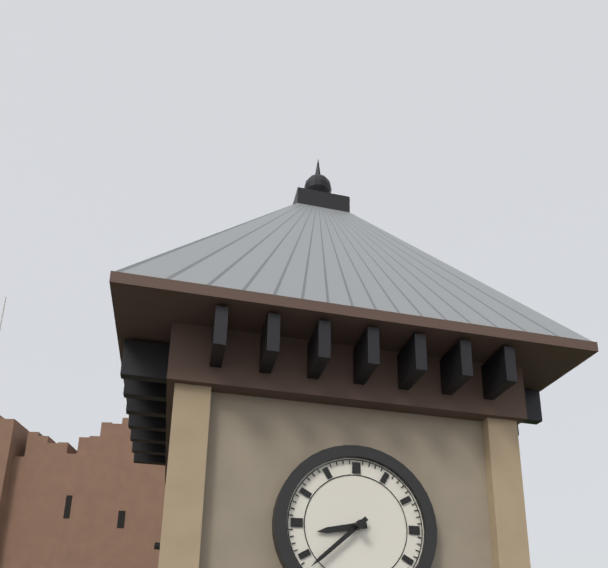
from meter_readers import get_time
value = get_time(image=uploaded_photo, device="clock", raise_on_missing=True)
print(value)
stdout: 8:38
